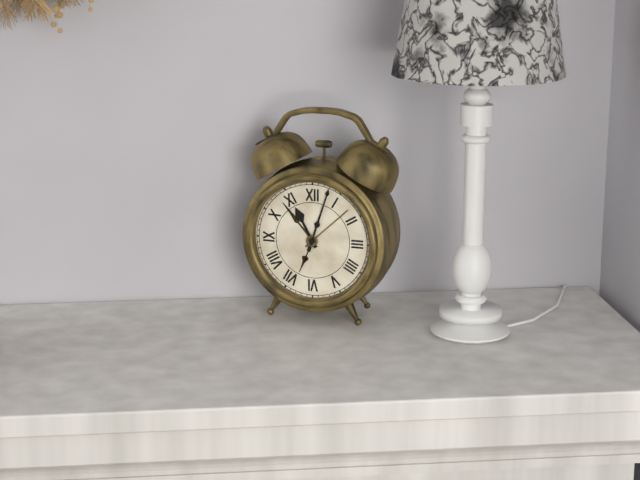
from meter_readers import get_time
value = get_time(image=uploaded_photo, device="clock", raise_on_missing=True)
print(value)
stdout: 11:03
